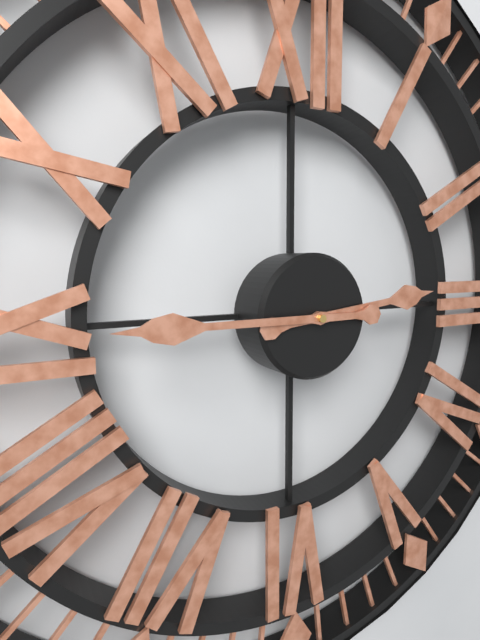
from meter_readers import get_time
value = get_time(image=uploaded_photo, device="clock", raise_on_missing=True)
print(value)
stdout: 2:45
